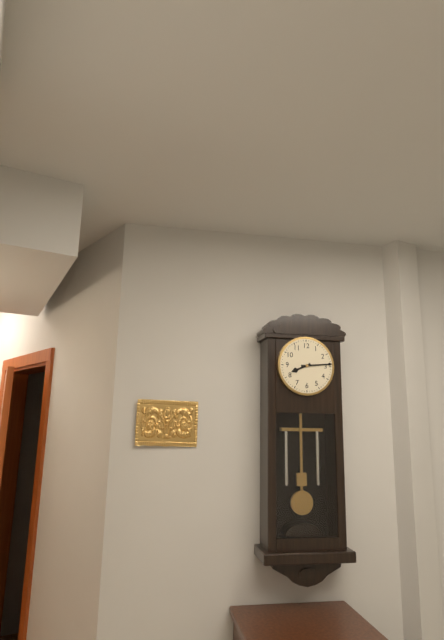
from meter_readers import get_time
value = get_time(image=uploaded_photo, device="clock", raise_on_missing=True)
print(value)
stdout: 8:14
